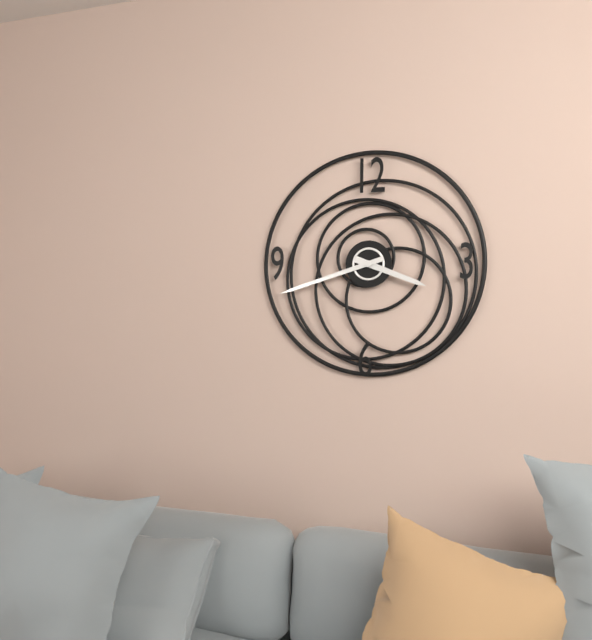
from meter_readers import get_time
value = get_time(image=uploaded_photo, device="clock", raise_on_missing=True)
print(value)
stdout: 3:42
